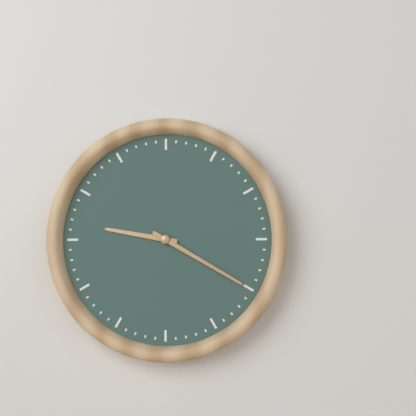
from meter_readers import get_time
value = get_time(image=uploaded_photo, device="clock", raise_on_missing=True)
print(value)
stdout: 9:20
